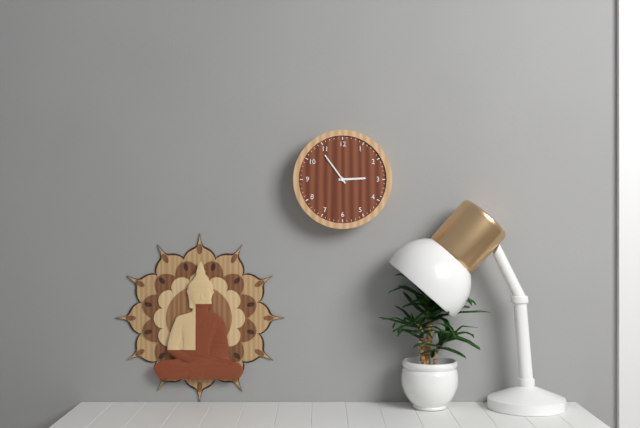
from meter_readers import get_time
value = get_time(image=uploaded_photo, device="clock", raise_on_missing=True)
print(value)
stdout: 2:54
